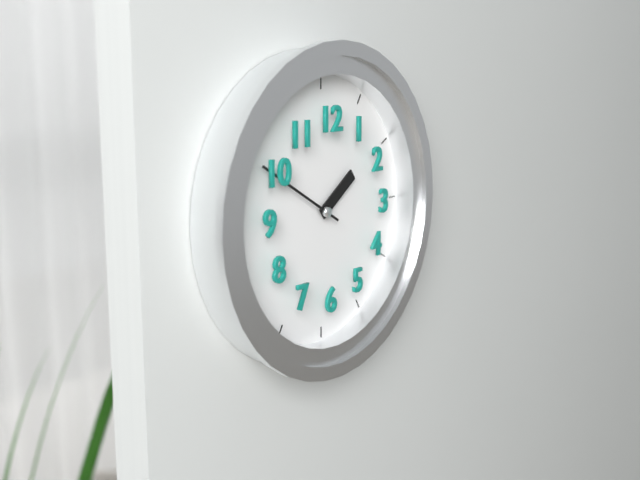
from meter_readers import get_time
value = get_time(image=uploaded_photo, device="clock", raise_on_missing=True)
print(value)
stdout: 1:50
